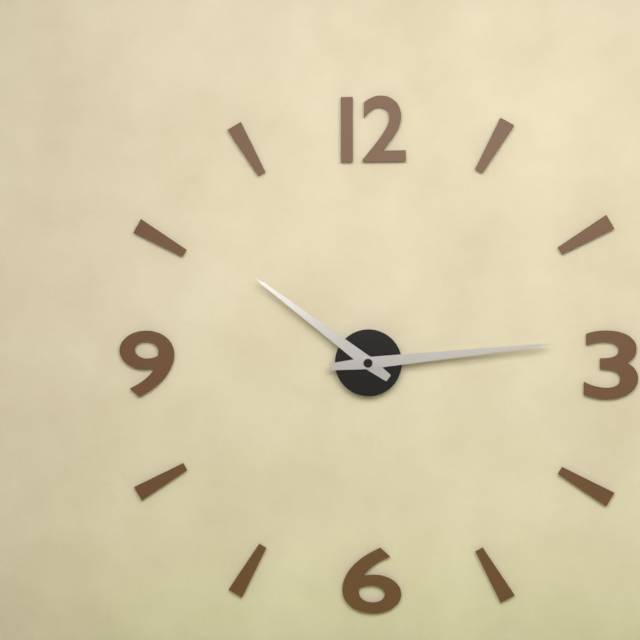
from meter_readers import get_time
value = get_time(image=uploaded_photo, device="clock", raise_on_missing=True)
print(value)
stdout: 10:14
